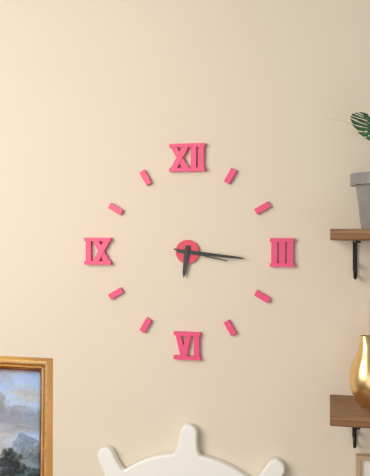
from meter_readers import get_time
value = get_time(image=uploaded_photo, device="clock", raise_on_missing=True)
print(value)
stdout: 6:16:17
